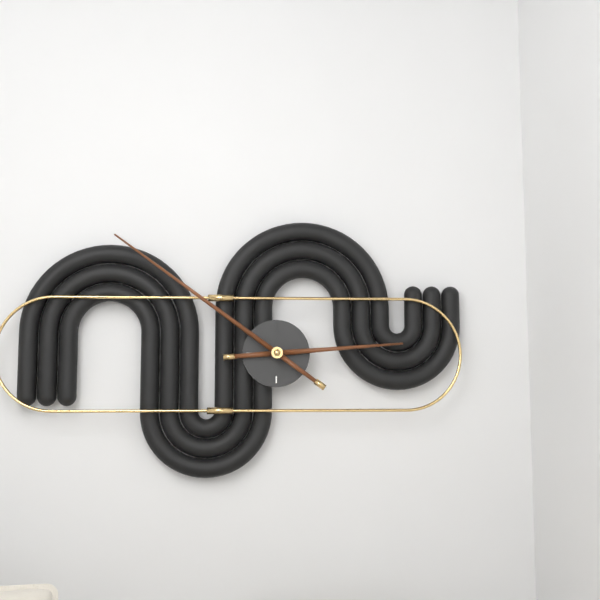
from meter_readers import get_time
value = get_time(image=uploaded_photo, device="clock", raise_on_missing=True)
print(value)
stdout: 2:51
